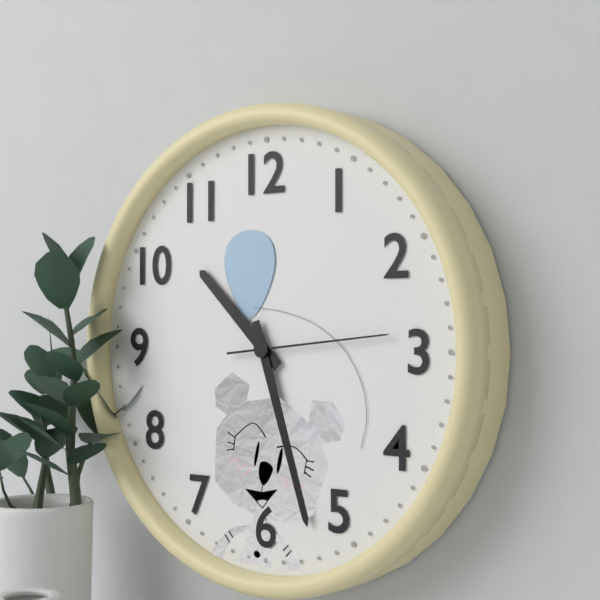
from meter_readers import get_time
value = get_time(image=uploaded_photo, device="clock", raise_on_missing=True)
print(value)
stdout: 10:27:14
